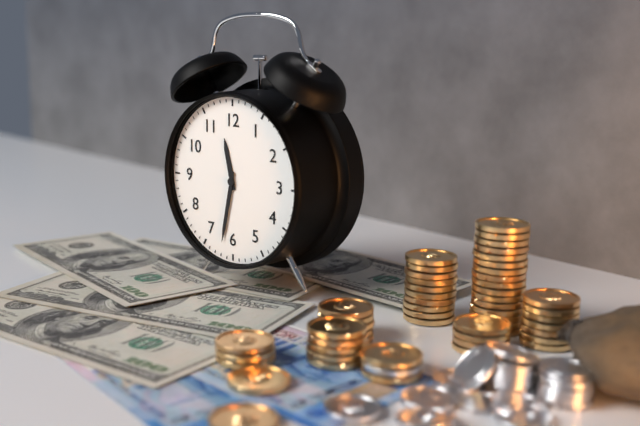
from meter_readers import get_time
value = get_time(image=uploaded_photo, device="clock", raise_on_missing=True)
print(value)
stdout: 11:32
